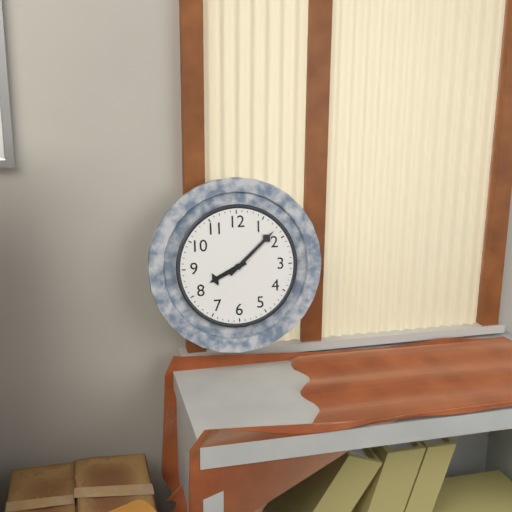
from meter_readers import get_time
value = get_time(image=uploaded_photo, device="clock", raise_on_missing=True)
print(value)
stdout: 8:08
